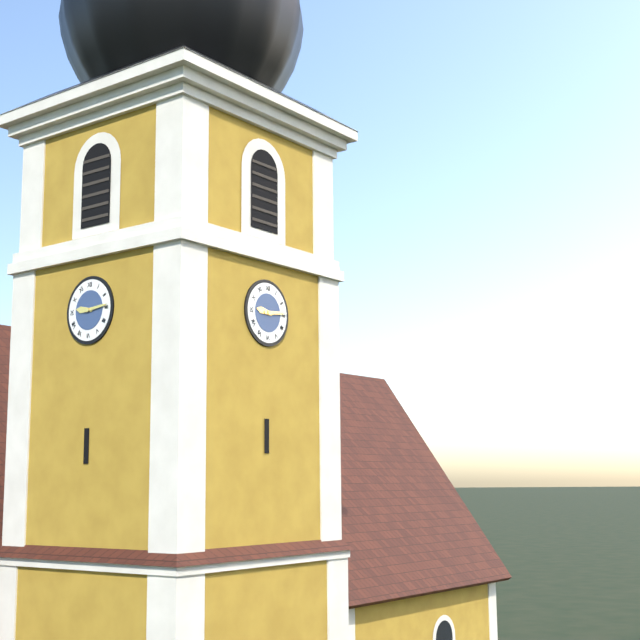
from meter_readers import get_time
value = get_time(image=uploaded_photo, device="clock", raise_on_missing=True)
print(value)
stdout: 9:14
